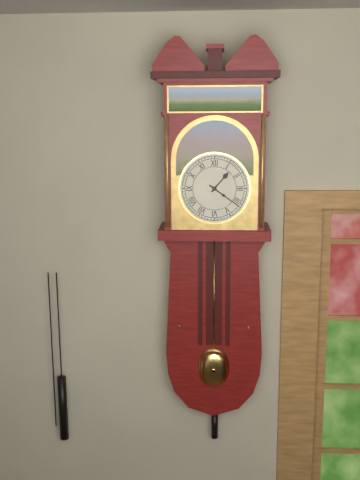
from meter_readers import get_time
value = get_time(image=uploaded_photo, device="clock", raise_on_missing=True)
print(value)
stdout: 1:21
